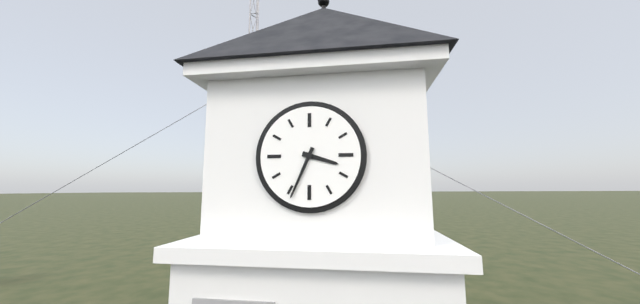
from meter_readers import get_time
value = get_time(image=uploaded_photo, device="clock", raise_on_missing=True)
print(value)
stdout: 3:34
